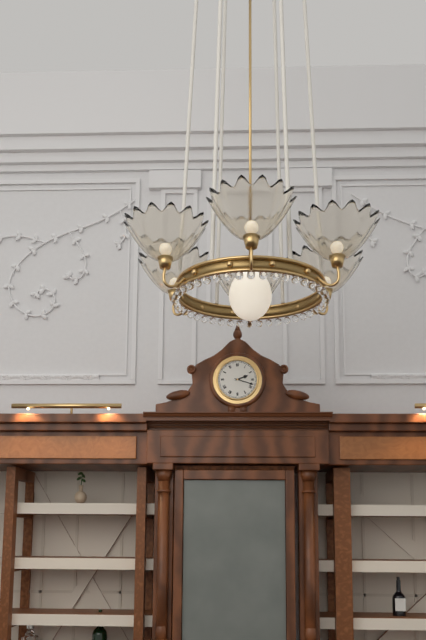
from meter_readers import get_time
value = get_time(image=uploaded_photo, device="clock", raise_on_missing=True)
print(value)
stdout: 2:18
